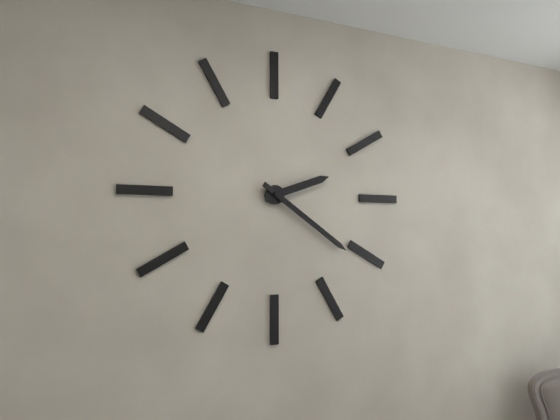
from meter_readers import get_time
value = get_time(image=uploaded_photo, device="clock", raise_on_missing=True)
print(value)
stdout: 2:21
